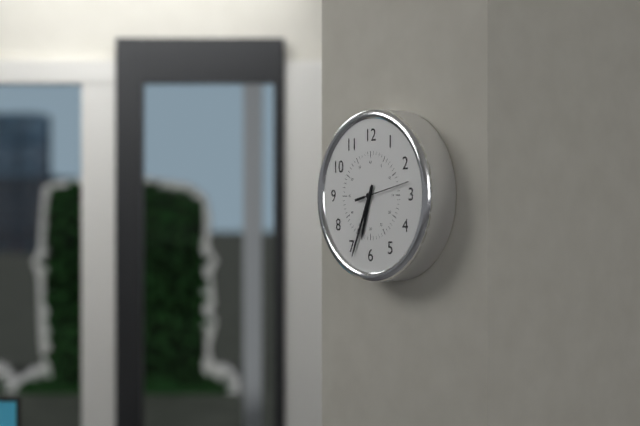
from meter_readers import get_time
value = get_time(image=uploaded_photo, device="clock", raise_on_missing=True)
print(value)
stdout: 6:34:13
